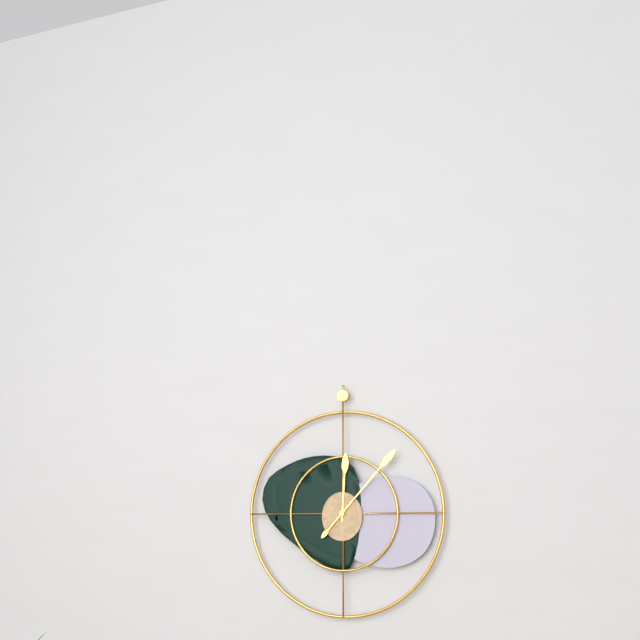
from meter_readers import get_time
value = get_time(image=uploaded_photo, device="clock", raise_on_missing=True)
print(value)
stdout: 12:07
